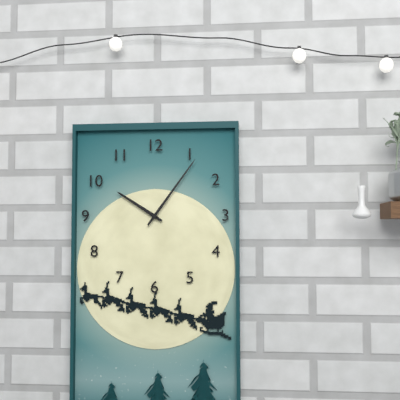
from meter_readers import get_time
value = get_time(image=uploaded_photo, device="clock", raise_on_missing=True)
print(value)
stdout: 10:06
